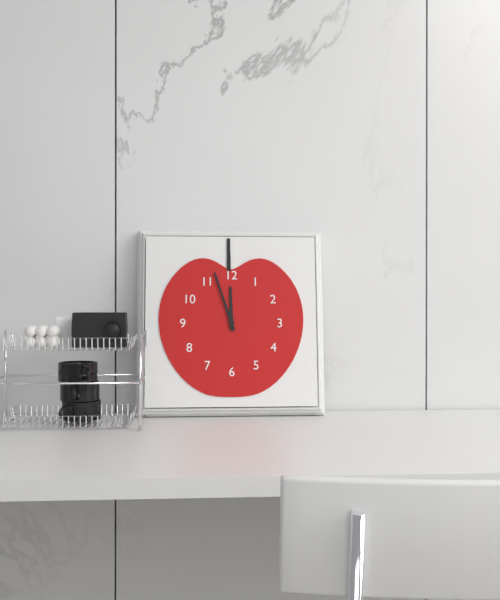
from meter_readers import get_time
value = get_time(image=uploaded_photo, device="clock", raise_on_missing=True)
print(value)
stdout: 11:57
